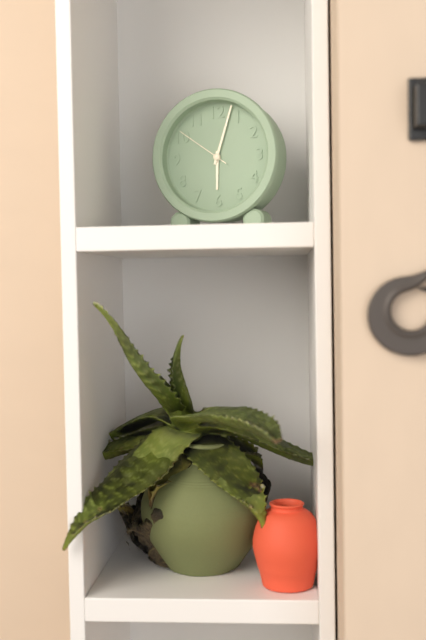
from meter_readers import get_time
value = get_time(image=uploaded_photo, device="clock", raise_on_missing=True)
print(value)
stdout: 6:03:51
